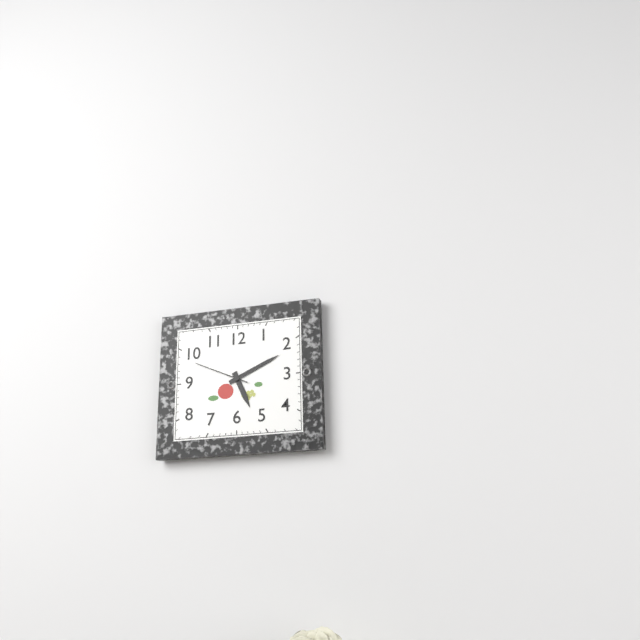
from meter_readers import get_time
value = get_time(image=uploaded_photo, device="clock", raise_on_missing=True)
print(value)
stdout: 5:11:49
